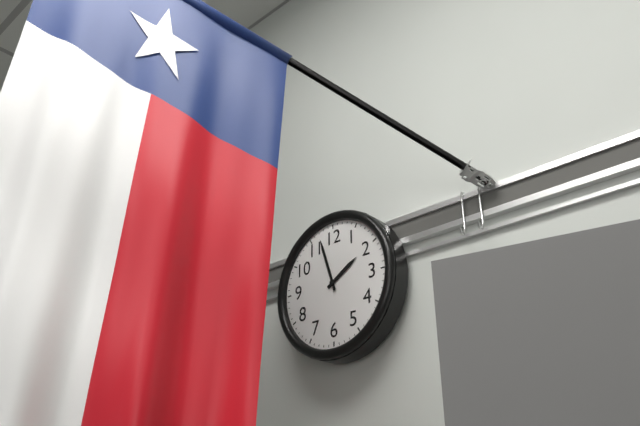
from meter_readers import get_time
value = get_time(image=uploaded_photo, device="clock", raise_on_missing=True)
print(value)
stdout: 1:57
